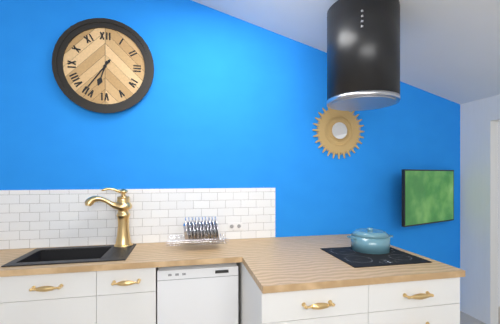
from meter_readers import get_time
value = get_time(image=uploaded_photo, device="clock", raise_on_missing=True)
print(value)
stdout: 6:36
